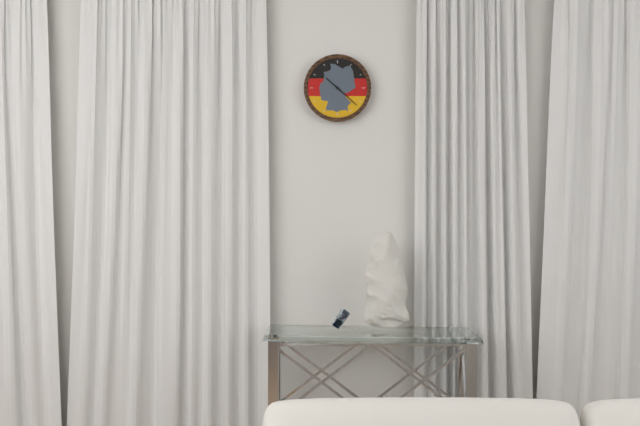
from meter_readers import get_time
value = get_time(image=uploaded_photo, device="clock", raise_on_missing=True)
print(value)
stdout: 10:22
